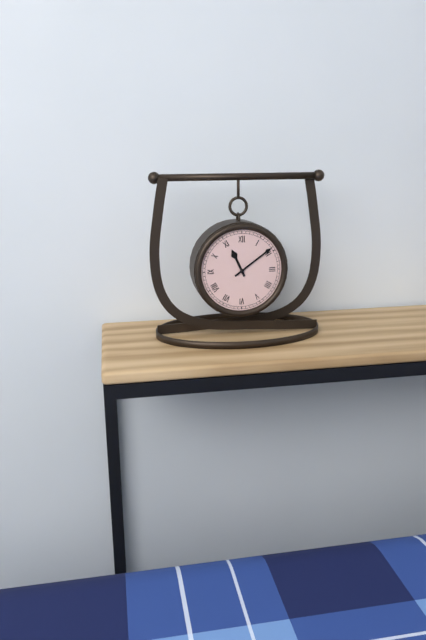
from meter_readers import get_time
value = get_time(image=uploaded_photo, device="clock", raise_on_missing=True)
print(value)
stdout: 11:09
